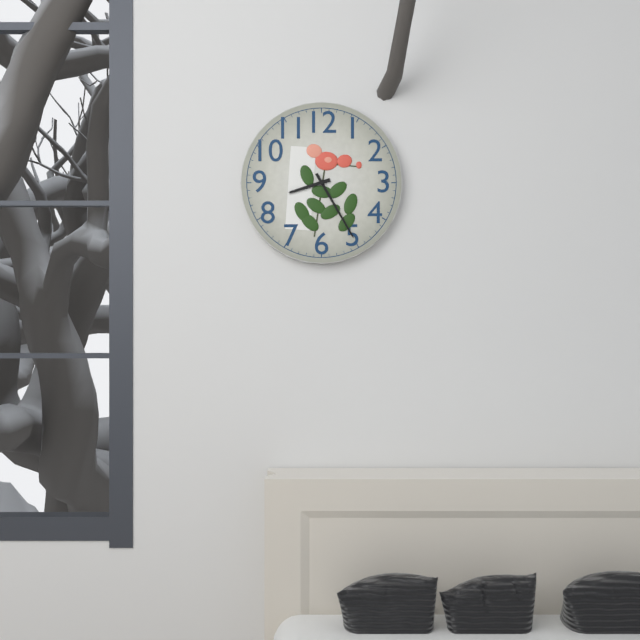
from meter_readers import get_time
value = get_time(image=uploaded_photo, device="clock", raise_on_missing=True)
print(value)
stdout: 8:25
